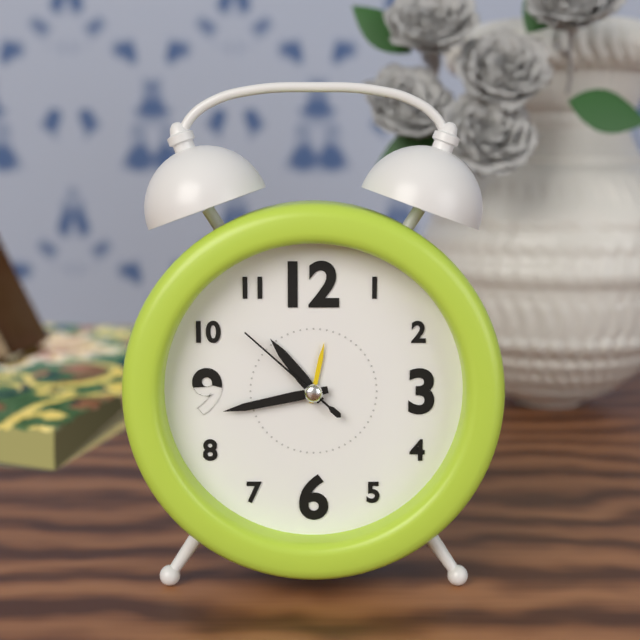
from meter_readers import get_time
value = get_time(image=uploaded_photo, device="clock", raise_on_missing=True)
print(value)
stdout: 10:43:52
